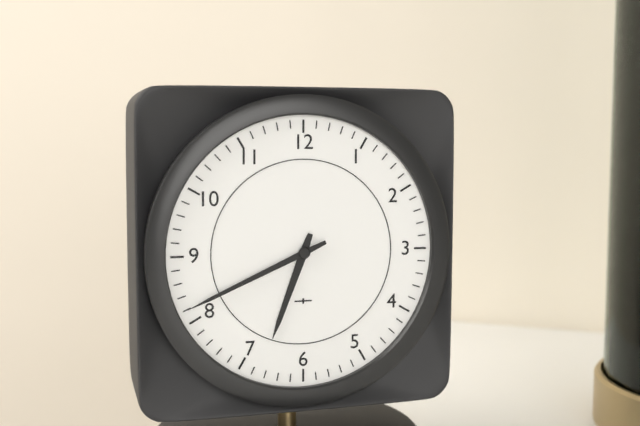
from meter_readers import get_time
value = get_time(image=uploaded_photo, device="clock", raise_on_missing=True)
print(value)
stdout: 6:41
